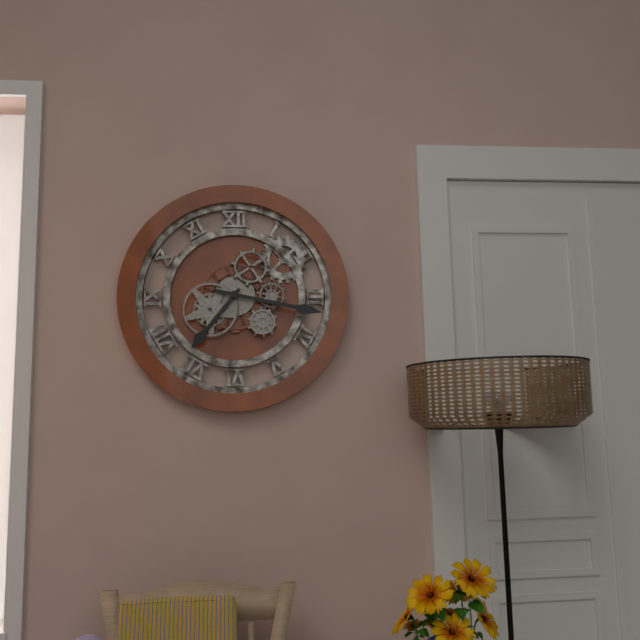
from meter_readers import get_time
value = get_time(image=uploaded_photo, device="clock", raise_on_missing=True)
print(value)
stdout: 7:17
